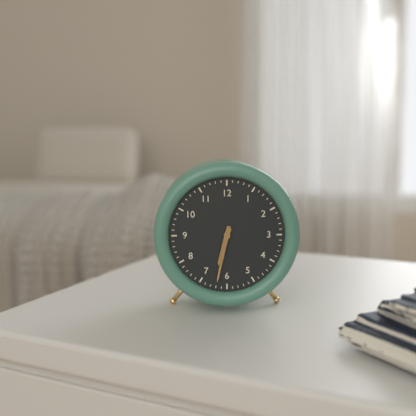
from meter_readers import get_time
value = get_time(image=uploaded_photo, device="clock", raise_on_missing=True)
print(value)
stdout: 6:32
